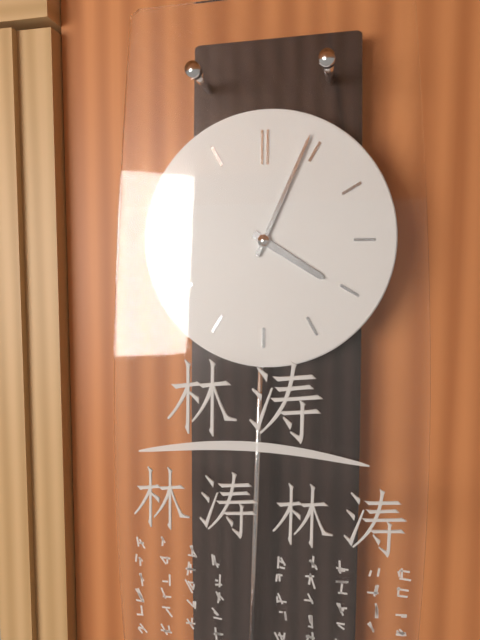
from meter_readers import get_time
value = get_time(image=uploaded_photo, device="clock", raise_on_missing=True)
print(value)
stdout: 4:04
